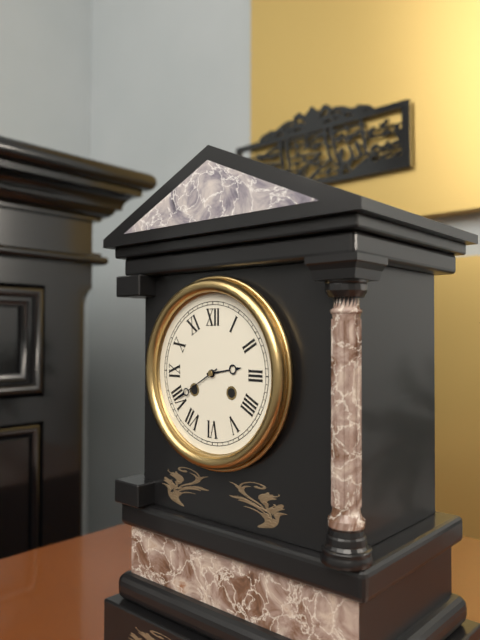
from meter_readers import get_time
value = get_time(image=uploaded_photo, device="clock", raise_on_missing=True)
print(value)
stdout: 2:40
